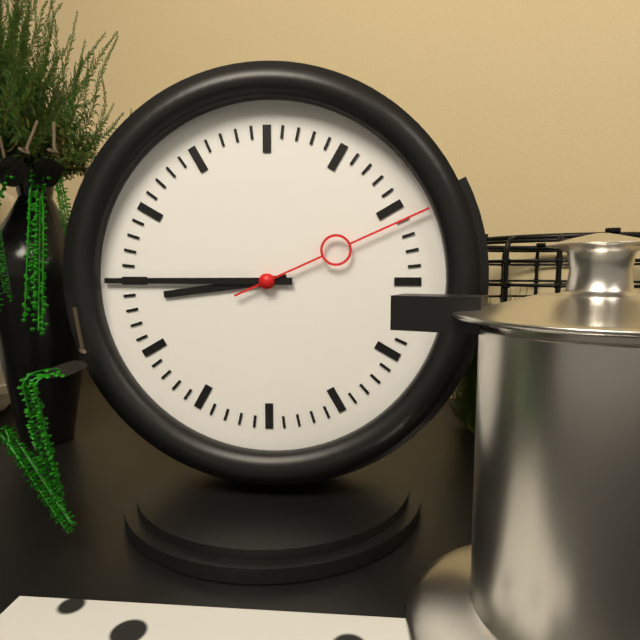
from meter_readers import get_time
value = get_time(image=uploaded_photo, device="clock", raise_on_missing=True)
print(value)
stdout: 8:45:11
